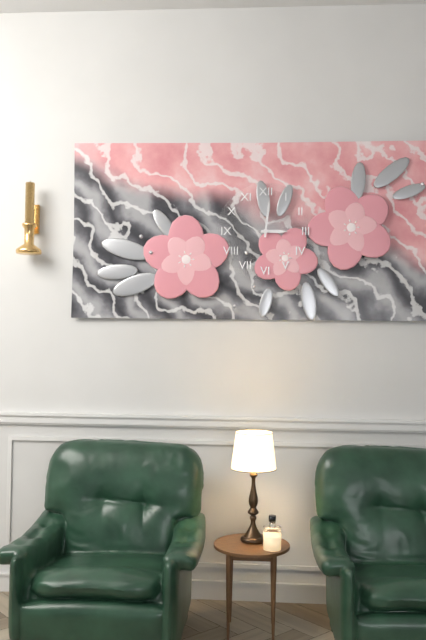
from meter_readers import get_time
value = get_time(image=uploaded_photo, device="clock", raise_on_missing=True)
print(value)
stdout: 3:01
